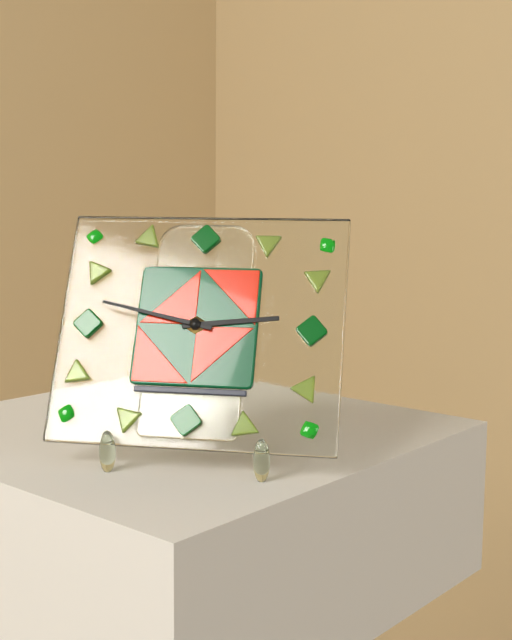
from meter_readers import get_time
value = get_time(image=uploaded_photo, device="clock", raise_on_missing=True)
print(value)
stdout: 2:47
